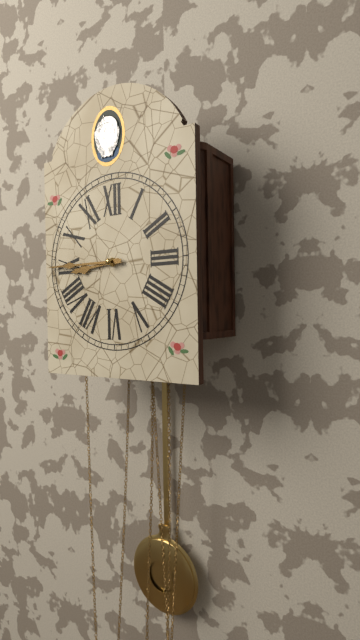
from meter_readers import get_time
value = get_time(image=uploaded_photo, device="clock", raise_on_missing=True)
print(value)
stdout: 8:45
